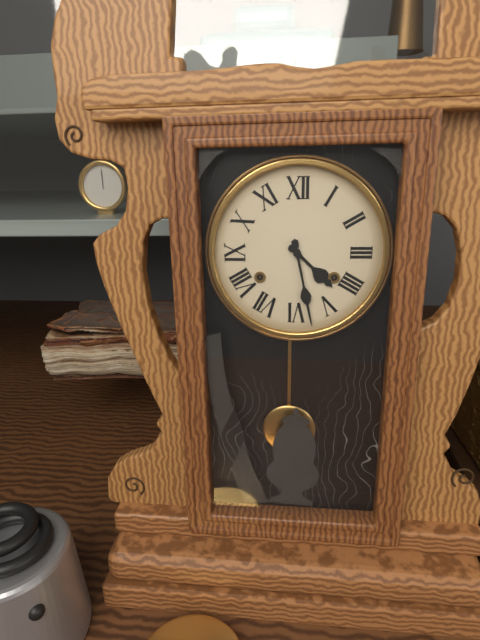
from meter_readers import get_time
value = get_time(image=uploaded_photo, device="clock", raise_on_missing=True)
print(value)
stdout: 4:28
